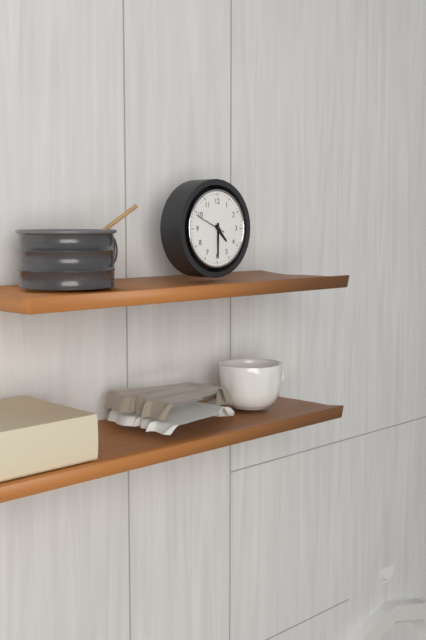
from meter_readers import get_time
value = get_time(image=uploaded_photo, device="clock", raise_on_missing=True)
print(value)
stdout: 4:30
